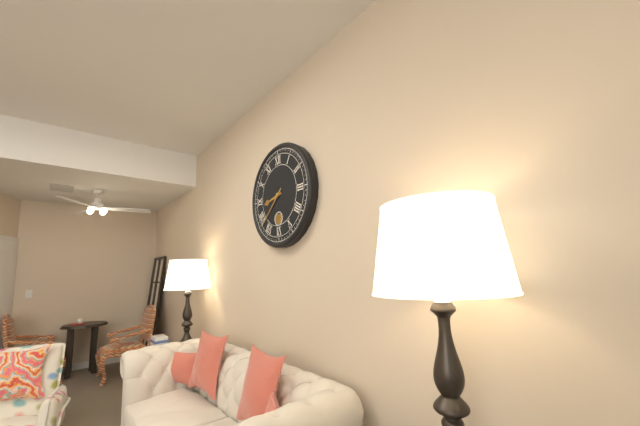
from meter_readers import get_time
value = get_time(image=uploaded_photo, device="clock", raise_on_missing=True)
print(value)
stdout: 8:38
